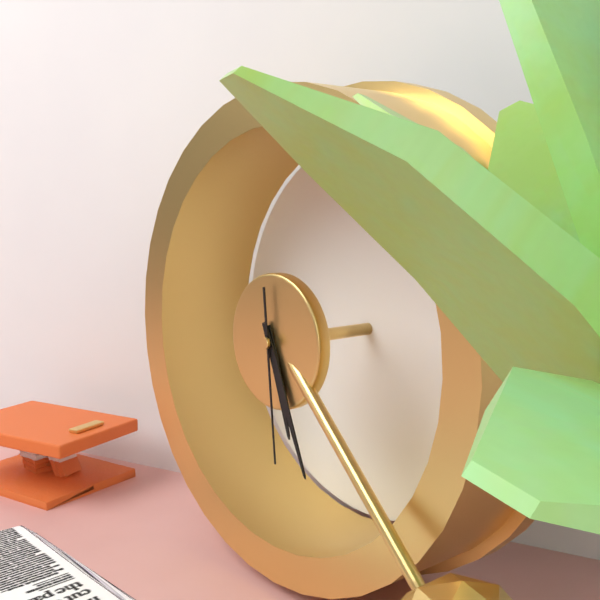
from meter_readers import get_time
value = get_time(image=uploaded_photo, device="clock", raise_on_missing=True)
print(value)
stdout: 5:26:29
